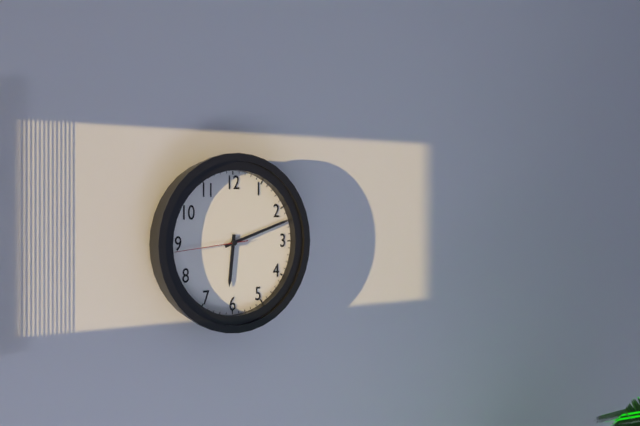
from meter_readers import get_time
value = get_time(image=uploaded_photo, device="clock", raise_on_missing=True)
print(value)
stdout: 6:12:44
